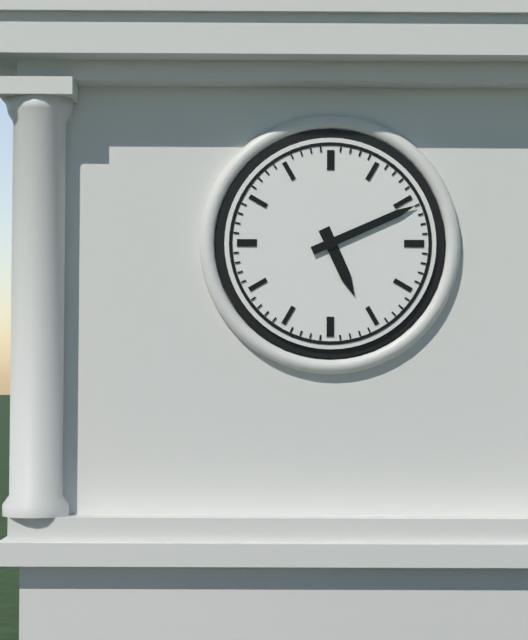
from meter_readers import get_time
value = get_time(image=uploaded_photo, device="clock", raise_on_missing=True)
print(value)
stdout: 5:11
